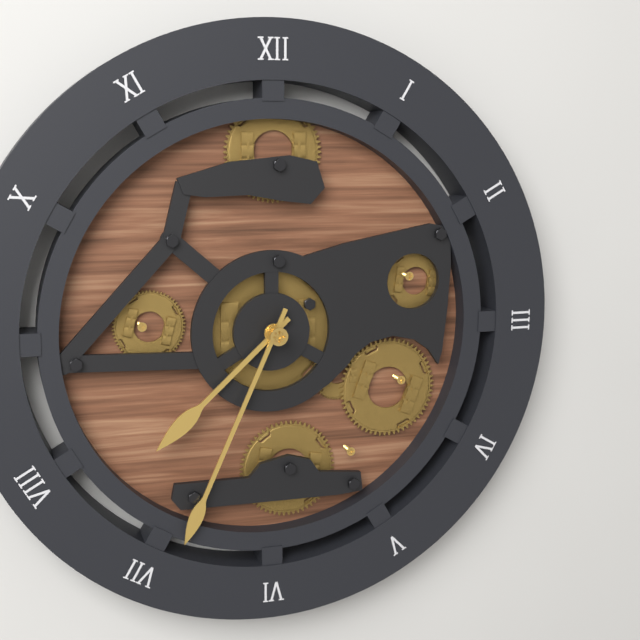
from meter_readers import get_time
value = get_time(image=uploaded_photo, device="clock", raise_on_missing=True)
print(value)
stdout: 7:34
